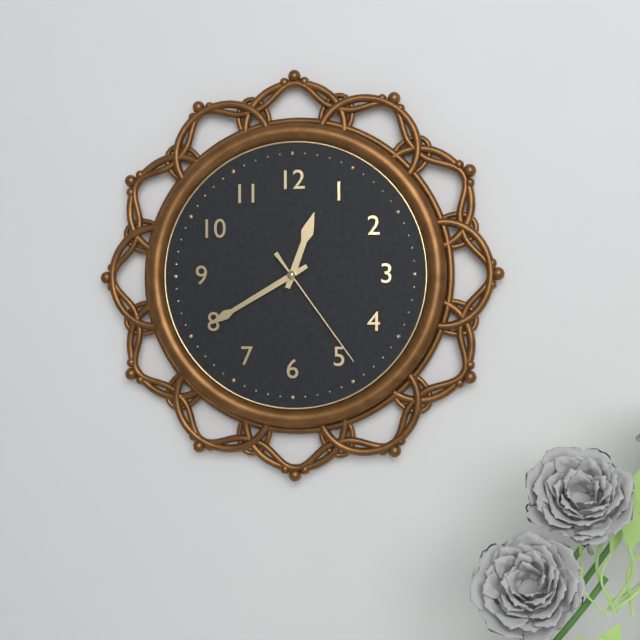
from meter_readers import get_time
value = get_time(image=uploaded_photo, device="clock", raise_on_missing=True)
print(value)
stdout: 12:40:24
